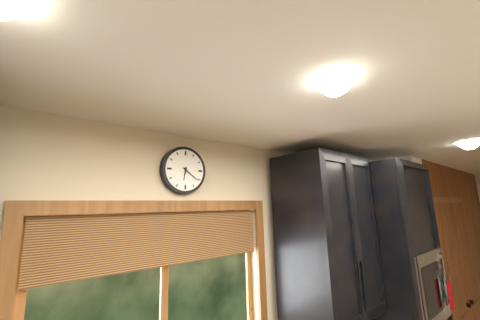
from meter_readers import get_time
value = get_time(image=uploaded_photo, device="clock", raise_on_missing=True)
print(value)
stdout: 6:21
